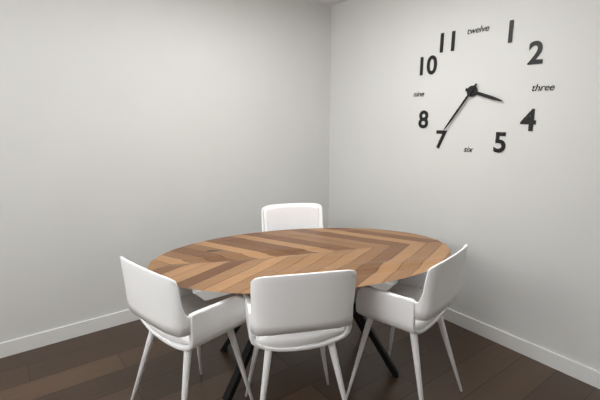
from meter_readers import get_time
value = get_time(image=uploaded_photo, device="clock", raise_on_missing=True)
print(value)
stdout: 3:36
